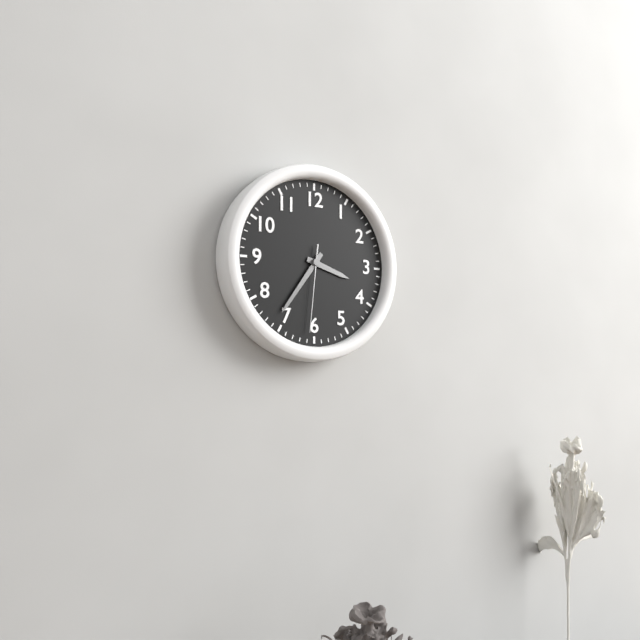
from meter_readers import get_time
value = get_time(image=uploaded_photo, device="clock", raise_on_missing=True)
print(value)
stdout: 3:36:31
